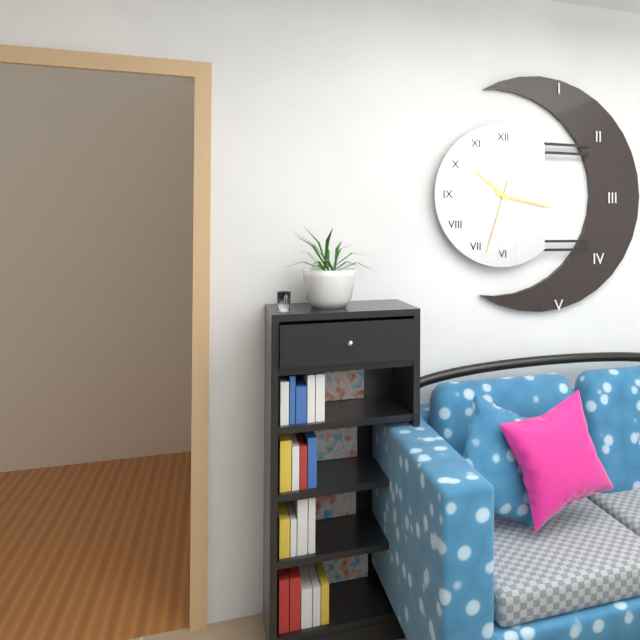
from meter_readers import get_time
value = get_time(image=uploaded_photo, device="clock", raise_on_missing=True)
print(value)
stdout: 10:17:33
